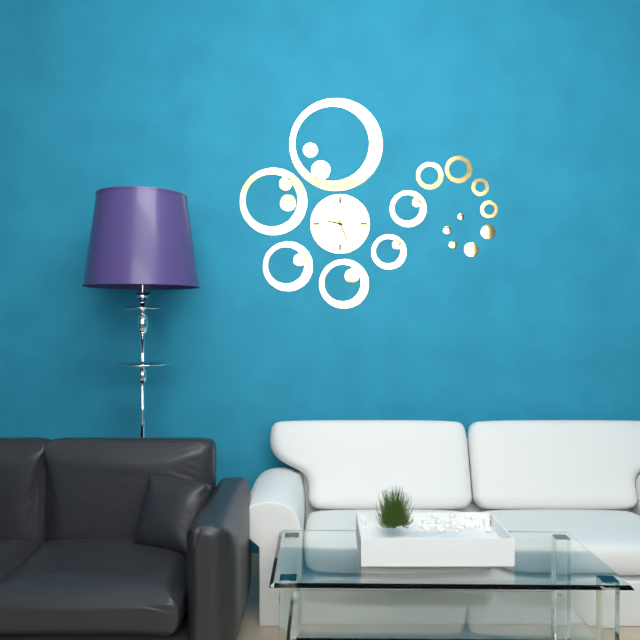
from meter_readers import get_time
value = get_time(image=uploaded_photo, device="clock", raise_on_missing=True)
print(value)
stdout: 9:26
